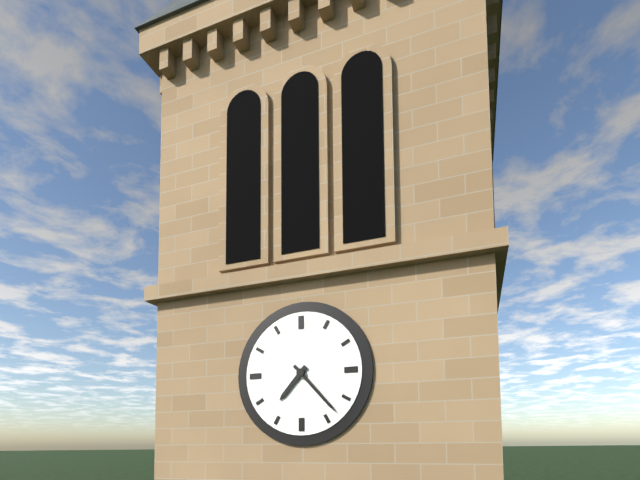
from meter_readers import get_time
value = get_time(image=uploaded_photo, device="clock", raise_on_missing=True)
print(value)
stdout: 7:23
